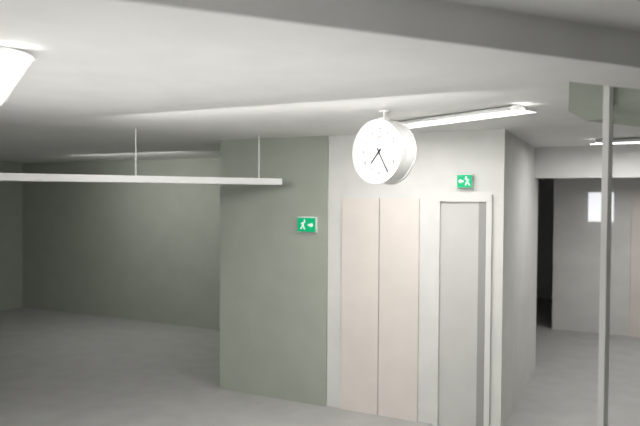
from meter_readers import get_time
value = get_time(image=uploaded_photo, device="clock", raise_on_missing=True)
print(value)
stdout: 7:25
